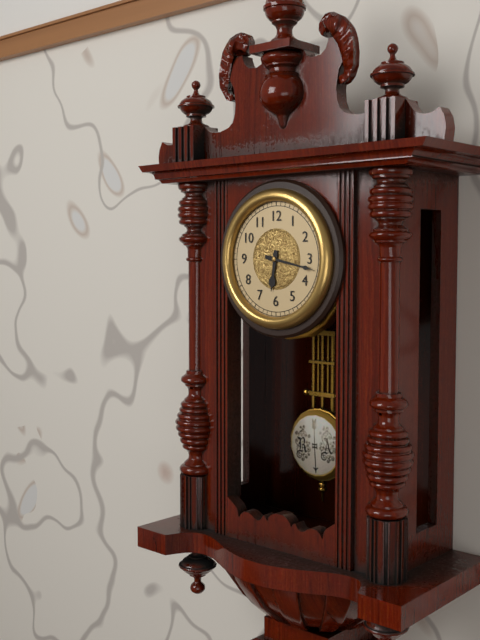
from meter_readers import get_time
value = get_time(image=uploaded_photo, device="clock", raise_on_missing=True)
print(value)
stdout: 6:17
